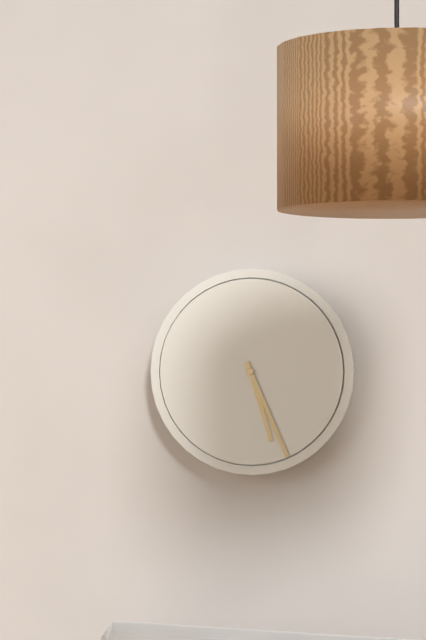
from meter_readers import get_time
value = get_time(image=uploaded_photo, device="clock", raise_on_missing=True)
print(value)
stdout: 5:26
